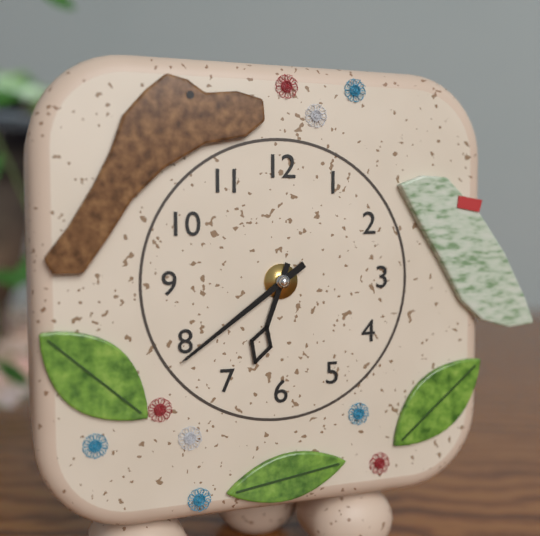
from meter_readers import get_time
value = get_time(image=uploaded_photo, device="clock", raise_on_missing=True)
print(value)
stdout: 6:39
